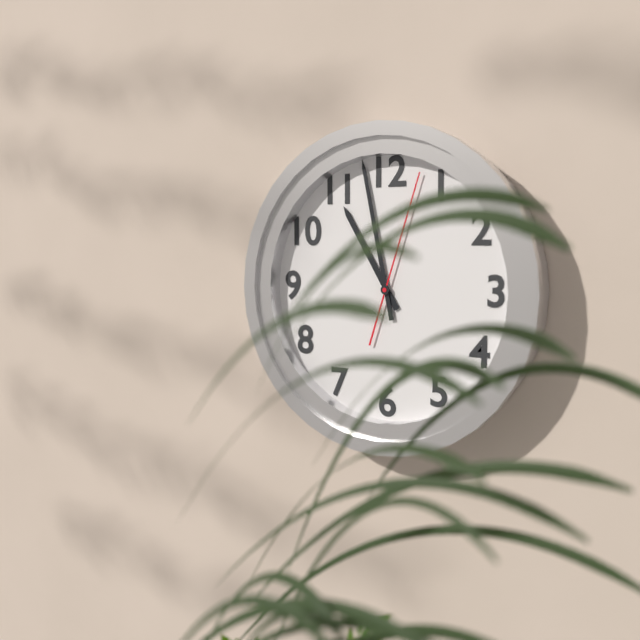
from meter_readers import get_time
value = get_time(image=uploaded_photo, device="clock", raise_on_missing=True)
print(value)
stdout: 10:58:03
